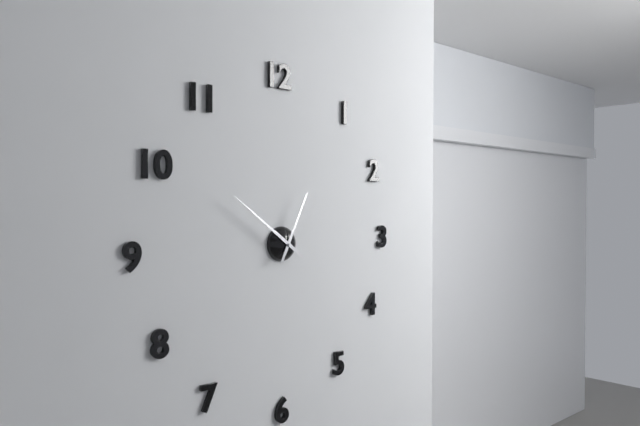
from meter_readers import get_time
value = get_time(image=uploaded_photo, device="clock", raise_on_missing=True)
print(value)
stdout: 12:51
